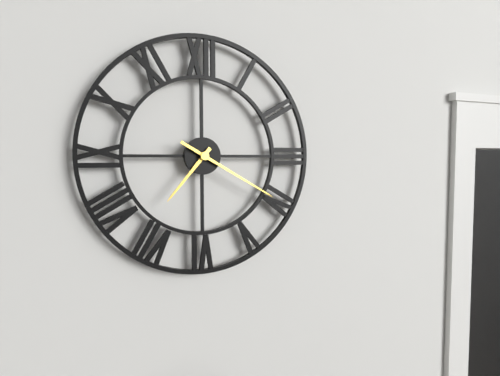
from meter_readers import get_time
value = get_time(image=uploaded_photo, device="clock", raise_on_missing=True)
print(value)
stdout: 7:20
